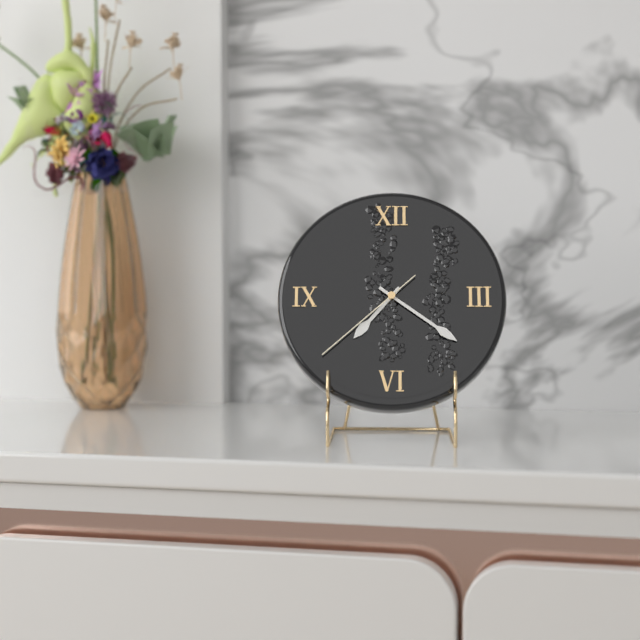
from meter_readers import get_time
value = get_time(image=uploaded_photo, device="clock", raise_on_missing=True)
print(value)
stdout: 7:21:38
